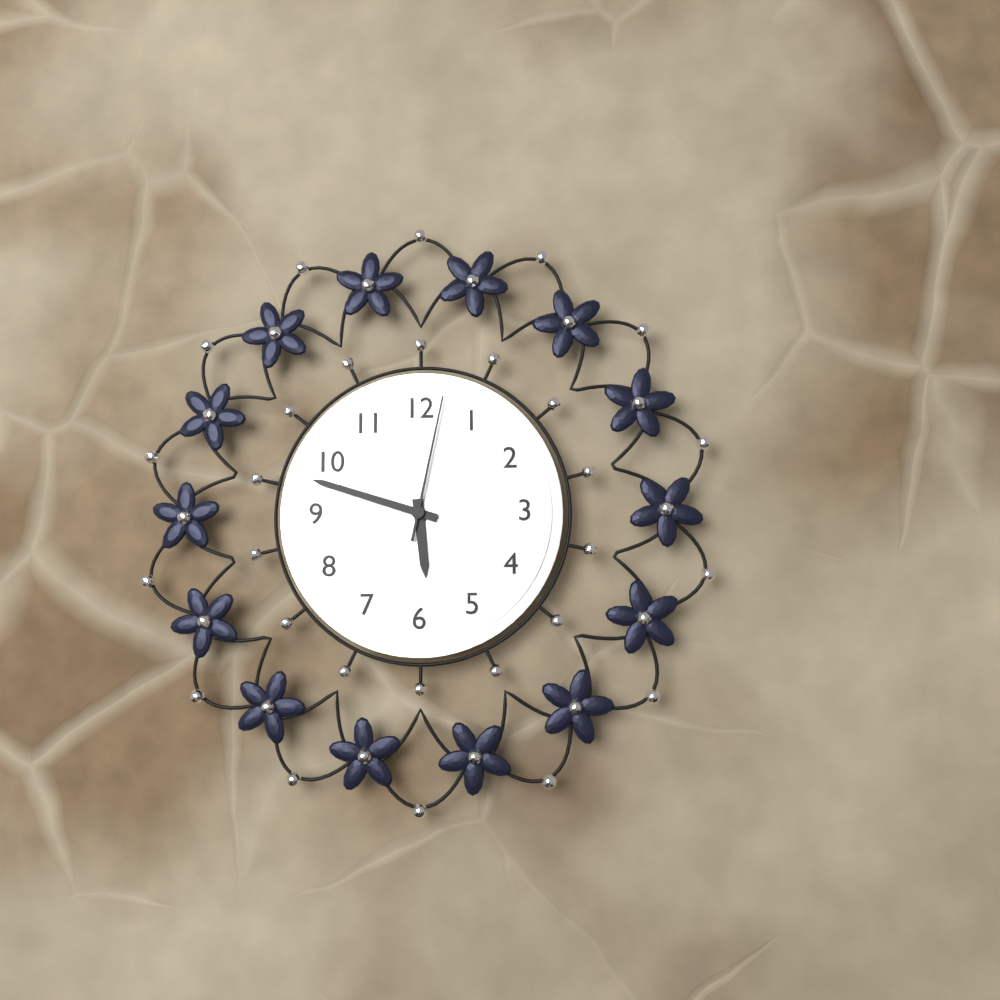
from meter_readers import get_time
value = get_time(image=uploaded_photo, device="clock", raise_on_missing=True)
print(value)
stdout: 5:48:02
